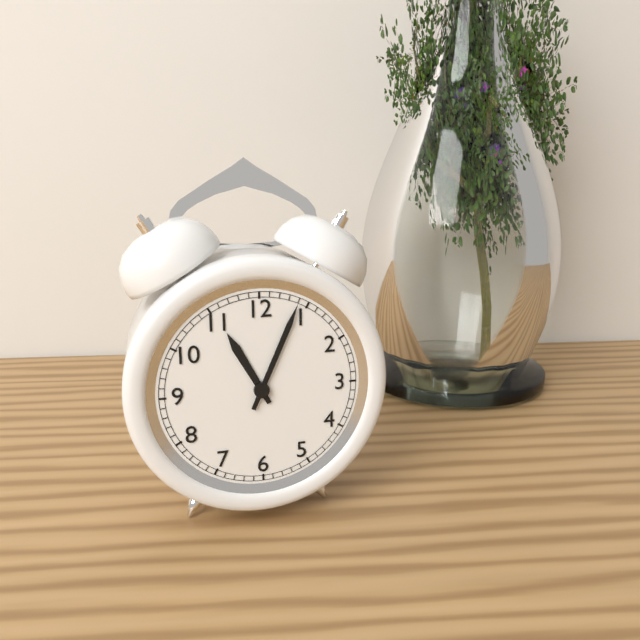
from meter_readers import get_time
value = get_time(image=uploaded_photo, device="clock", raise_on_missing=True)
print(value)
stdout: 11:04
